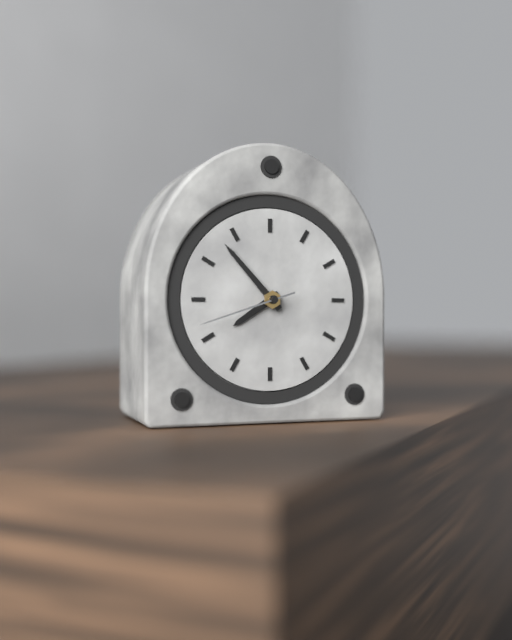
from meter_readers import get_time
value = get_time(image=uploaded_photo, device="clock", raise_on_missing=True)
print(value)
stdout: 7:53:42
